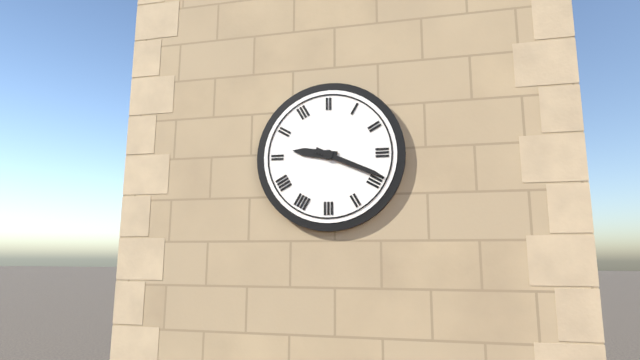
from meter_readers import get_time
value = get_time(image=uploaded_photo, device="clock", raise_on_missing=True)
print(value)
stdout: 9:19
